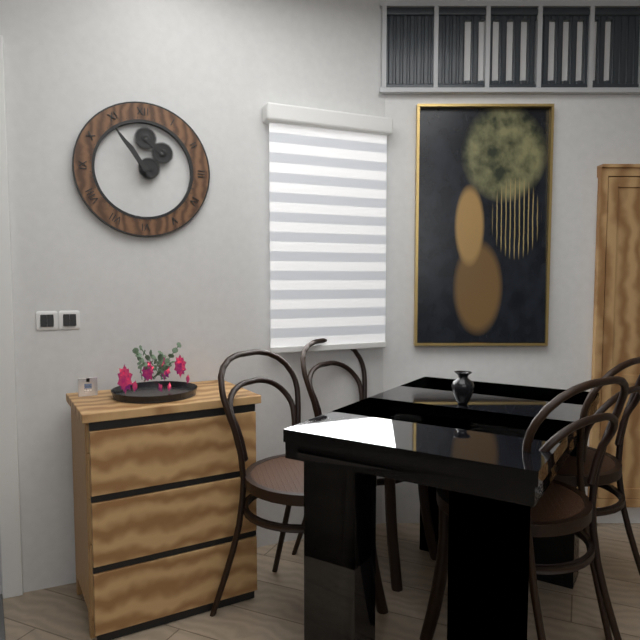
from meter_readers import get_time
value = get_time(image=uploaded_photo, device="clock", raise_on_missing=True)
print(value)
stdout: 10:54
